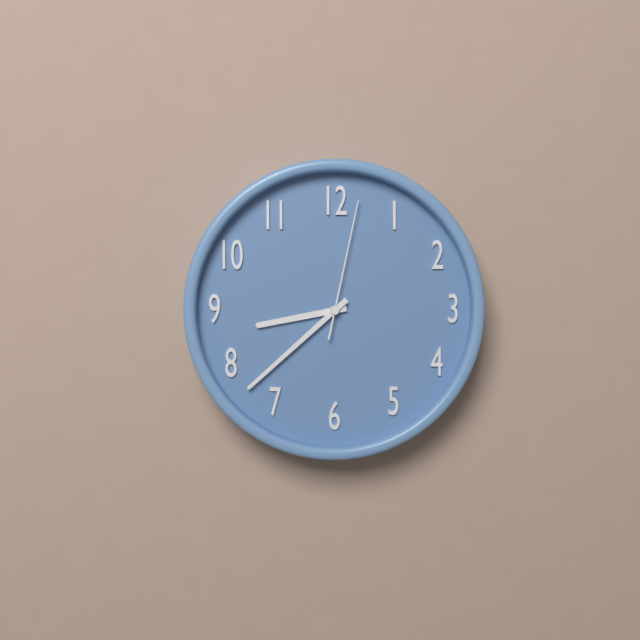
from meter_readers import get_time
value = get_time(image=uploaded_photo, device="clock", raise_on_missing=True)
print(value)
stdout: 8:38:02
